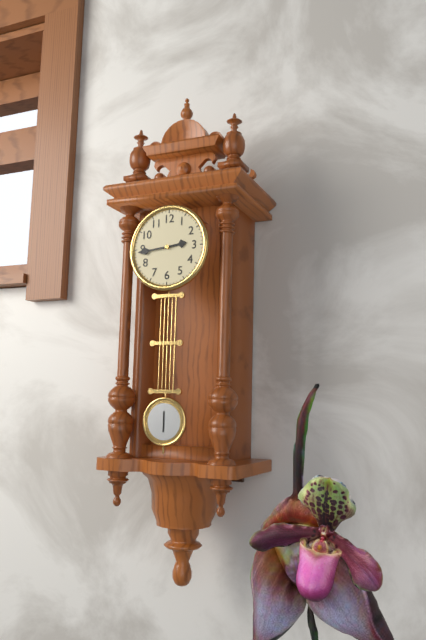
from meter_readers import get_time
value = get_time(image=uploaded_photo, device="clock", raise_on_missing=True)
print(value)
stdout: 2:44
